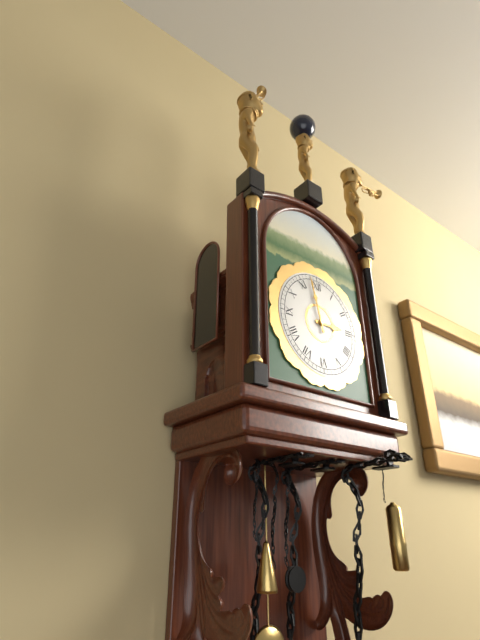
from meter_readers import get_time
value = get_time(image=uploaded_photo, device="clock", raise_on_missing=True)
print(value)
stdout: 2:58
